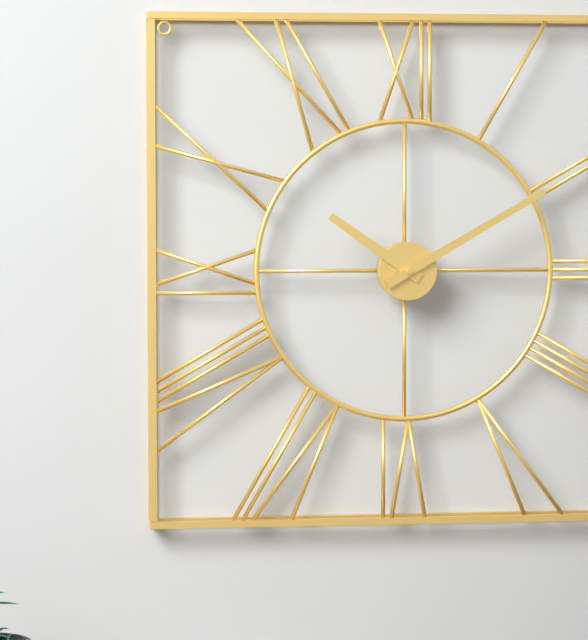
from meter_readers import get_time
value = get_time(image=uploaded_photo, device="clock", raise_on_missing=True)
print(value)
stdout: 10:10
